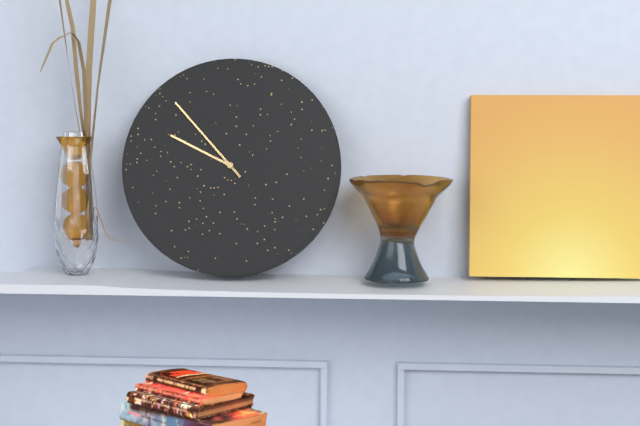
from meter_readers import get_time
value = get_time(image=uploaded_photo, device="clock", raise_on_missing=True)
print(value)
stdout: 9:53
